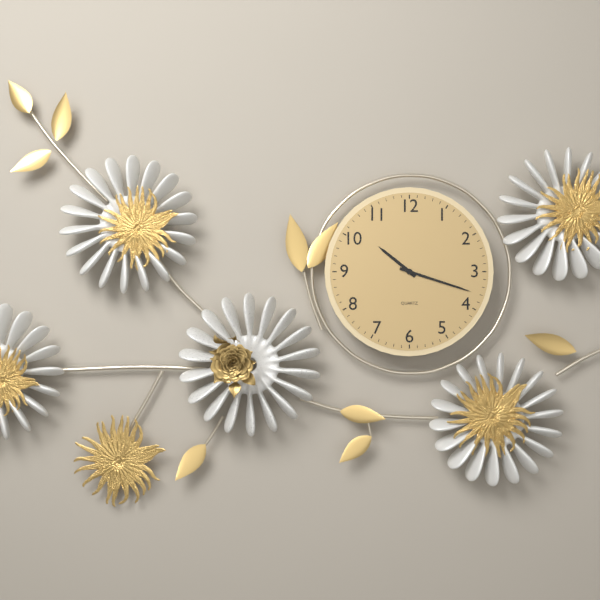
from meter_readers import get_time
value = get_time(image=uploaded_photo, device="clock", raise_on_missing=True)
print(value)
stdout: 10:18
